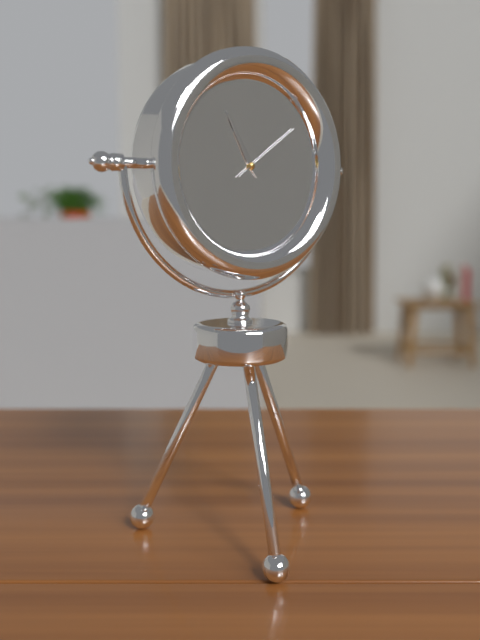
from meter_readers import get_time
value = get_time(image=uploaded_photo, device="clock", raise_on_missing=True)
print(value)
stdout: 10:55:09
